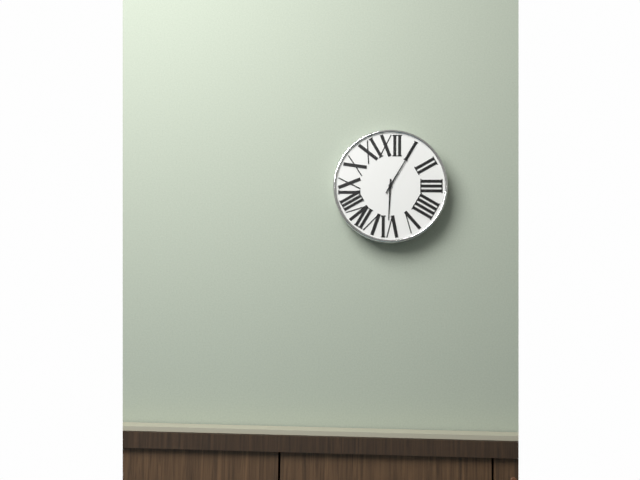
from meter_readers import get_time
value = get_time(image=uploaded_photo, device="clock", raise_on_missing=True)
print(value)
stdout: 6:05
